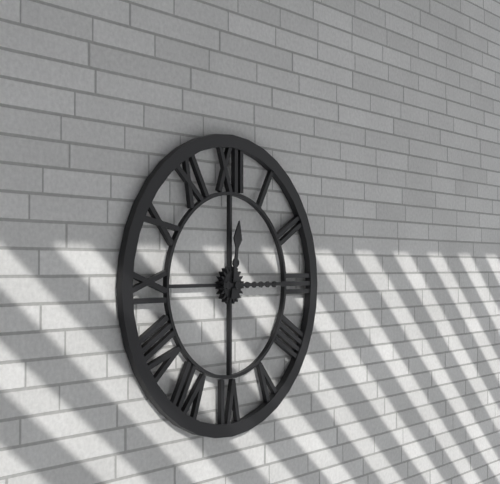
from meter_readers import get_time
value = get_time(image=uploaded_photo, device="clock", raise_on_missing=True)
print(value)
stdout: 12:15
